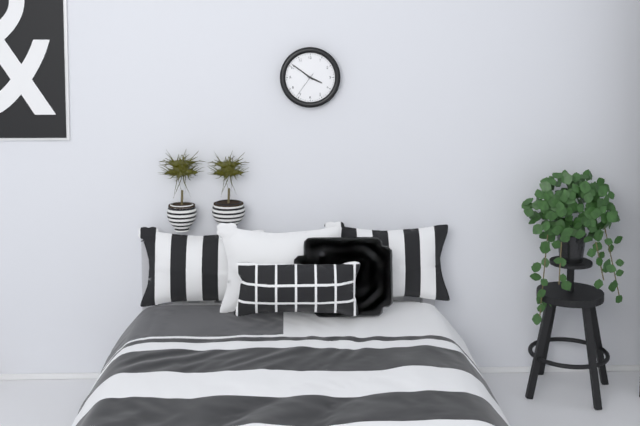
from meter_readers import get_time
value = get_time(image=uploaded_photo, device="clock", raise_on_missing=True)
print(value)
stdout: 3:51
